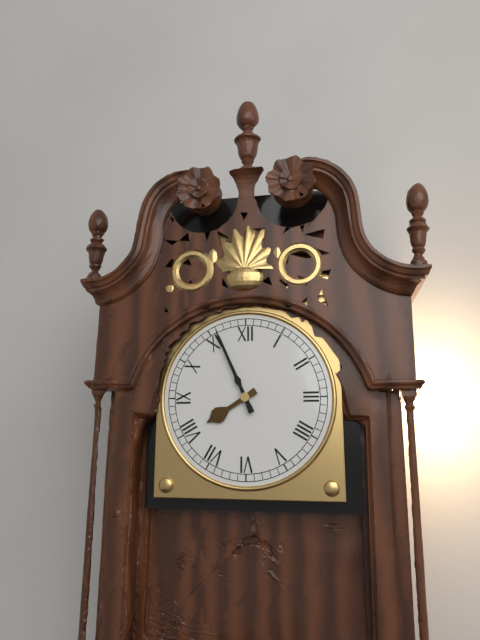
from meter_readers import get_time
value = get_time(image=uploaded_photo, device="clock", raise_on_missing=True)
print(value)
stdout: 7:56
